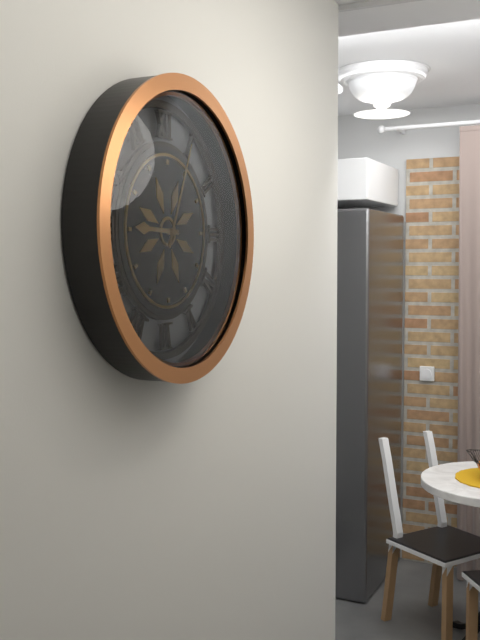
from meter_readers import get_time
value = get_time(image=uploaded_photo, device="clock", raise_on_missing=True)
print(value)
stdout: 9:04
